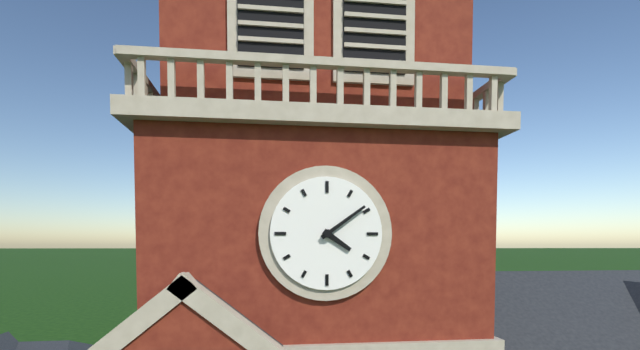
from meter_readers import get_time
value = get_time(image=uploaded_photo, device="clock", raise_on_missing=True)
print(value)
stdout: 4:09
